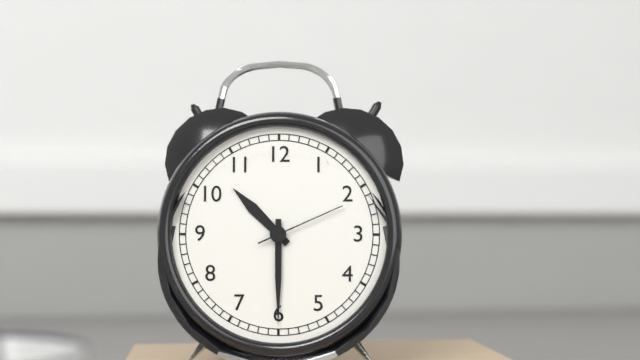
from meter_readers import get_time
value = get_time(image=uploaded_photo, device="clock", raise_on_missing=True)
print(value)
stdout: 10:30:11
